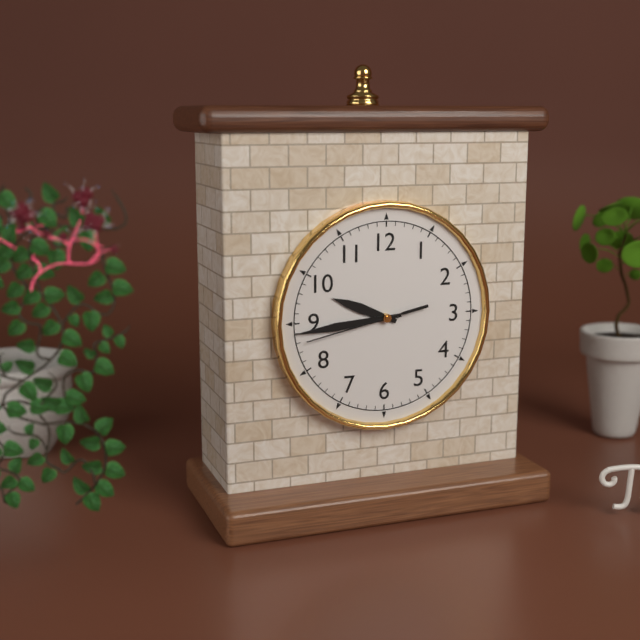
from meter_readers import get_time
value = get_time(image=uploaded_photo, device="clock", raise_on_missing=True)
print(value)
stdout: 9:44:43
